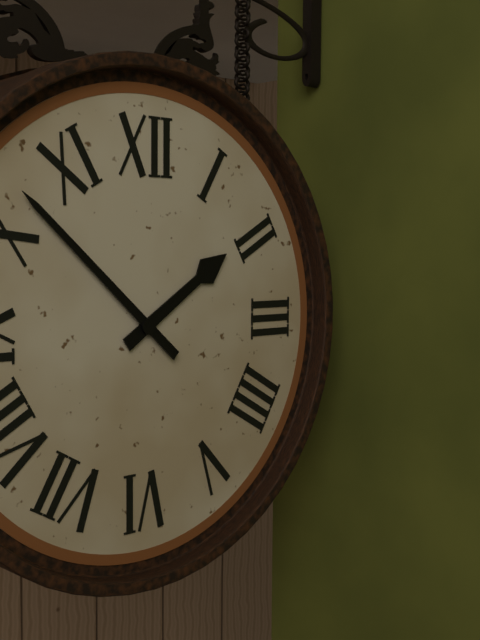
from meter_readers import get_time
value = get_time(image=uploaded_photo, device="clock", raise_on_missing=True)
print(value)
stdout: 1:52
